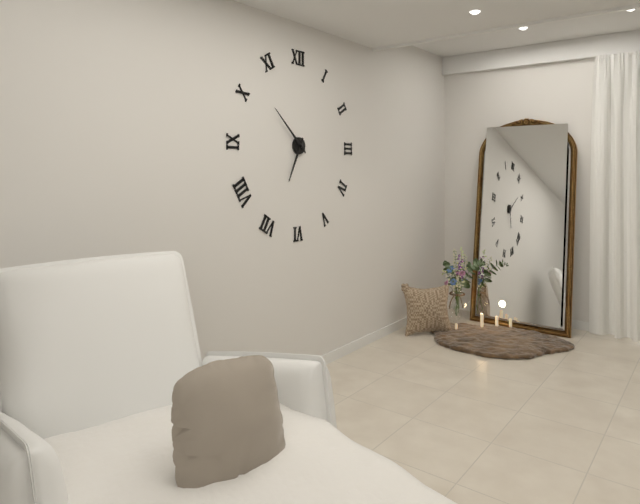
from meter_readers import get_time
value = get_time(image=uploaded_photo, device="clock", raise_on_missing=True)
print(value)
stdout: 6:52
